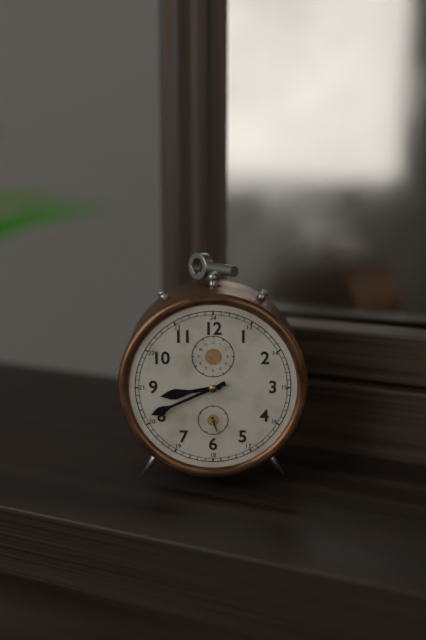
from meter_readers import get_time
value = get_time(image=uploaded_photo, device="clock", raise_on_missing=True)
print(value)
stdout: 8:41
